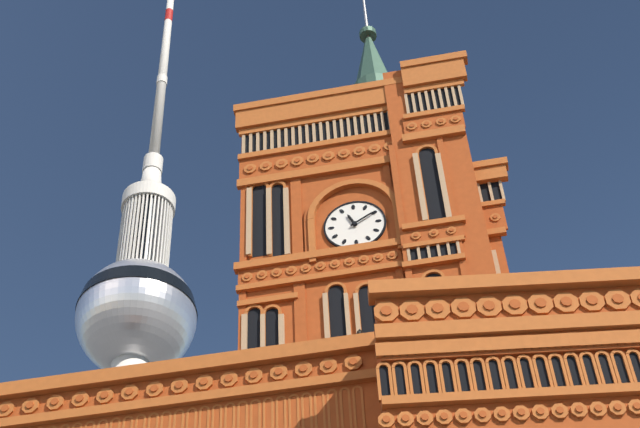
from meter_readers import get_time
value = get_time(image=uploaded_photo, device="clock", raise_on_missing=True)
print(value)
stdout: 11:10
